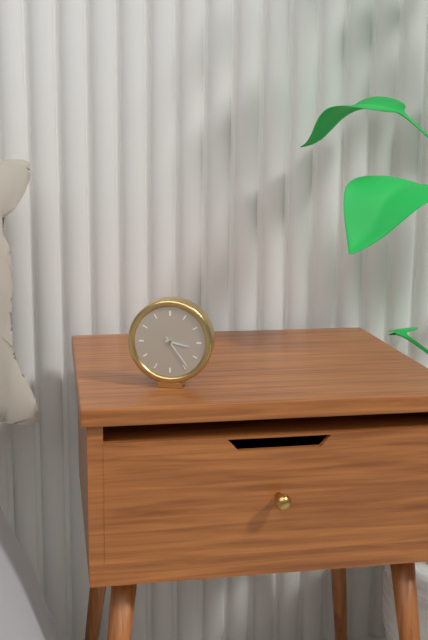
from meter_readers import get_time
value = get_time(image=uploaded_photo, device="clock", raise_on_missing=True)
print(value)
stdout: 3:24
